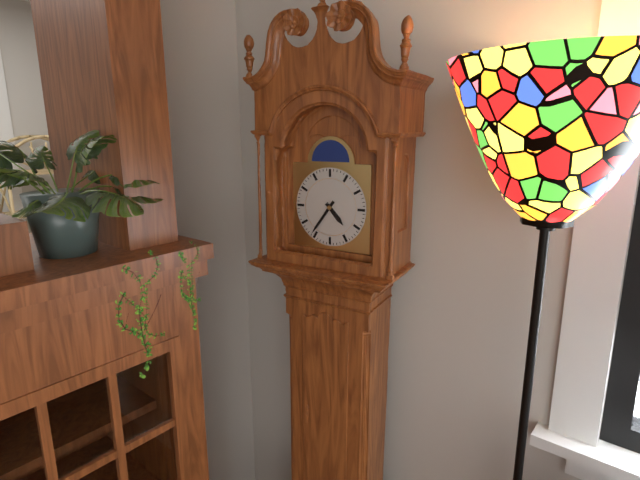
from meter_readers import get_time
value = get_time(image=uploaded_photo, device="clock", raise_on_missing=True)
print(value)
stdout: 4:36
